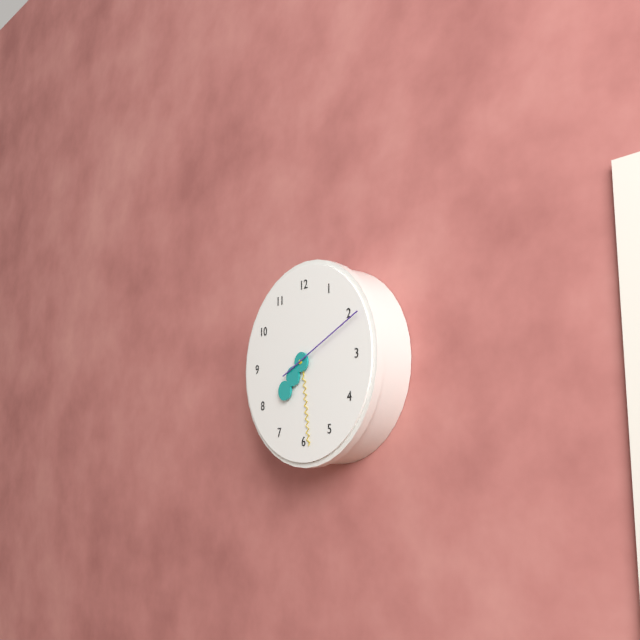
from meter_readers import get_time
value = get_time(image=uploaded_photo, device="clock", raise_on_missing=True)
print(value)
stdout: 7:29:11
